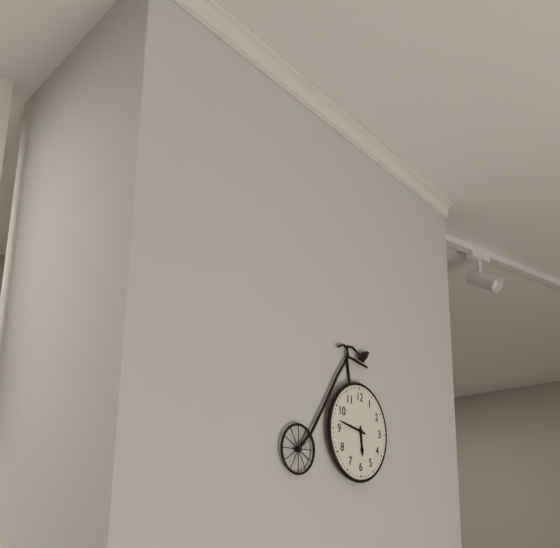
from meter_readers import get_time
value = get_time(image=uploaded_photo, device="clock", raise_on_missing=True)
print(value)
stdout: 5:47
